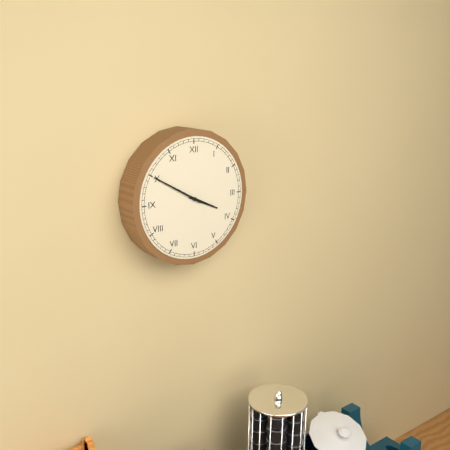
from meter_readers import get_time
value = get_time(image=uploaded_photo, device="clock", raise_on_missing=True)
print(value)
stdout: 3:50
